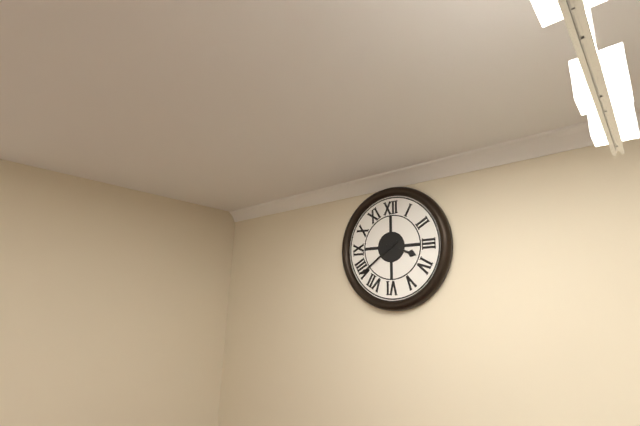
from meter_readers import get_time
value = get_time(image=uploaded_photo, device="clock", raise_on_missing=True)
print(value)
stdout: 3:39
